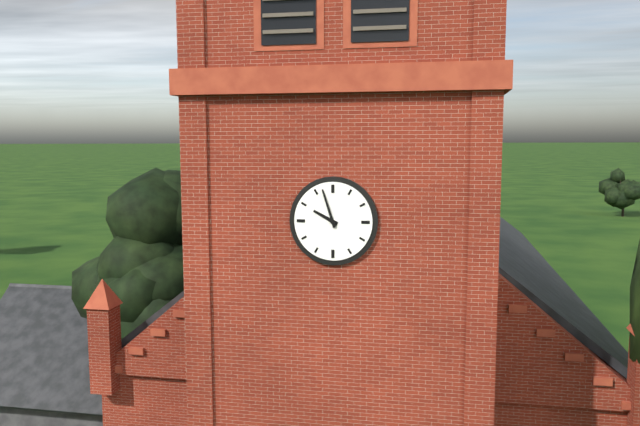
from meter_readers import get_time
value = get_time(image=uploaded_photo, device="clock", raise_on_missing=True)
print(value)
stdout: 9:57
